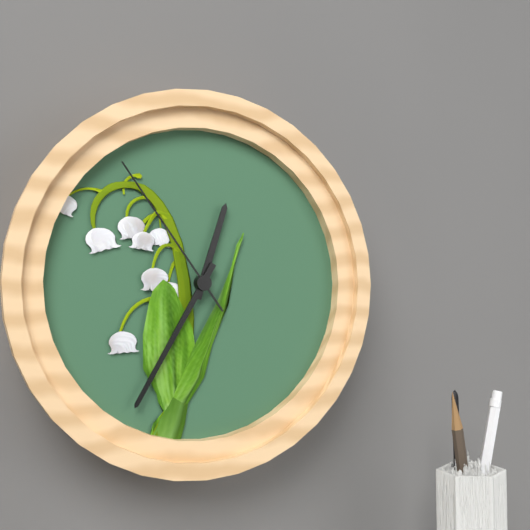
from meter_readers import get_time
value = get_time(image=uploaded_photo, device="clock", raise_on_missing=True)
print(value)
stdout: 12:35:54
